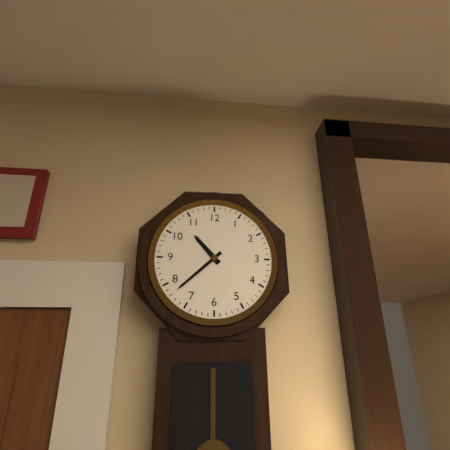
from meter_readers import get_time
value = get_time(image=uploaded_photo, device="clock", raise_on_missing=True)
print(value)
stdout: 10:38
